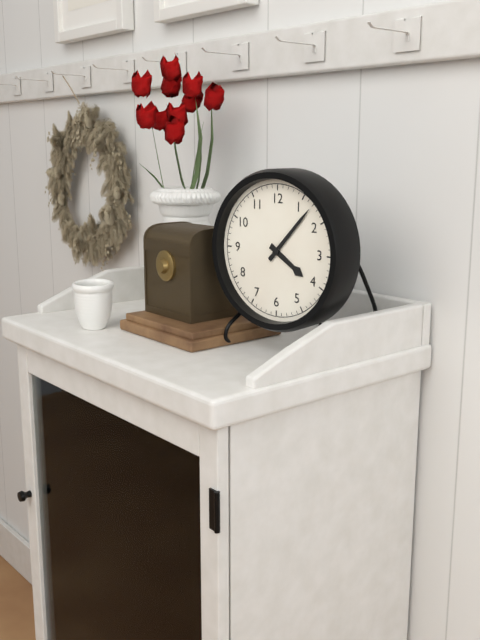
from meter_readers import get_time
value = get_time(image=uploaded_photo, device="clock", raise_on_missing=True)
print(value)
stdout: 4:07
